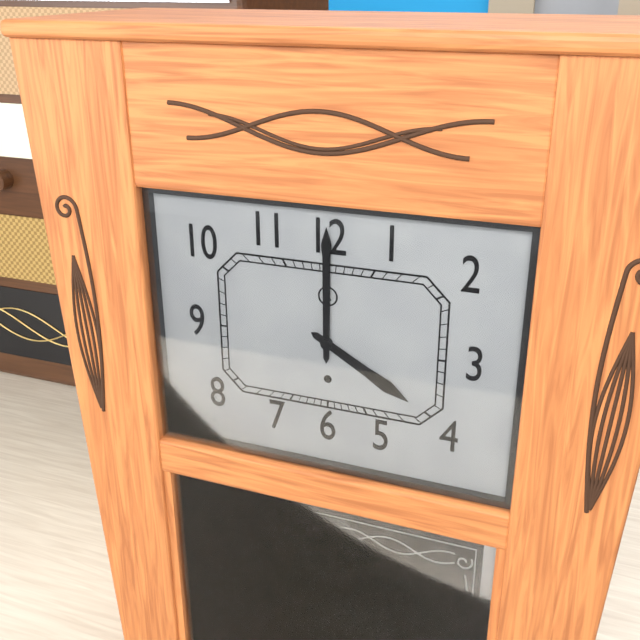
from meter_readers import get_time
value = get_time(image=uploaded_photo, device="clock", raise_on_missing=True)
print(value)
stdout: 4:00
